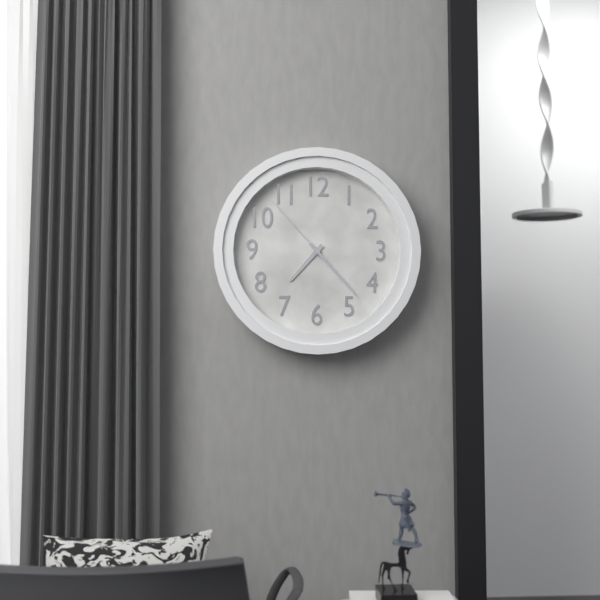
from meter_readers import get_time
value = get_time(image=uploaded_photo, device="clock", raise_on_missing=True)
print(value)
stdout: 7:23:53
